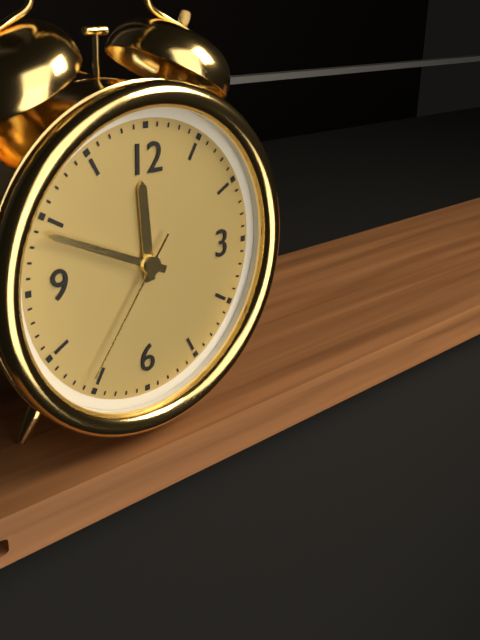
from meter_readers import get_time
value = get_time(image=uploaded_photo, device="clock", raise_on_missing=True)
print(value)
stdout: 11:49:36
